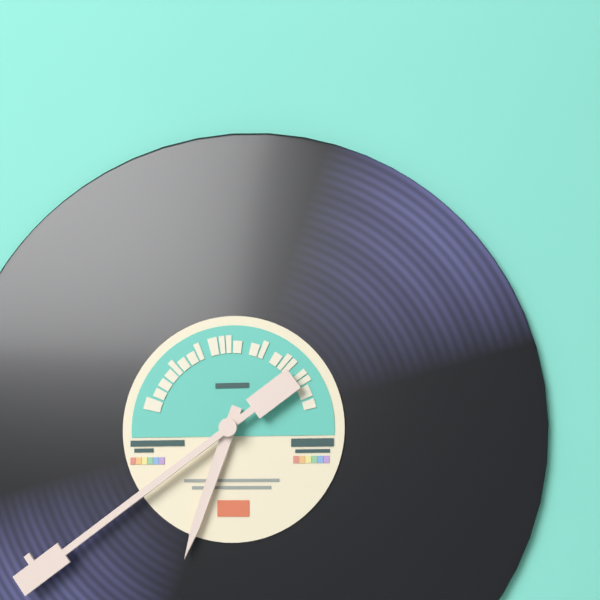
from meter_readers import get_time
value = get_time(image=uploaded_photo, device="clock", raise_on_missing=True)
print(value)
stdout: 6:39
